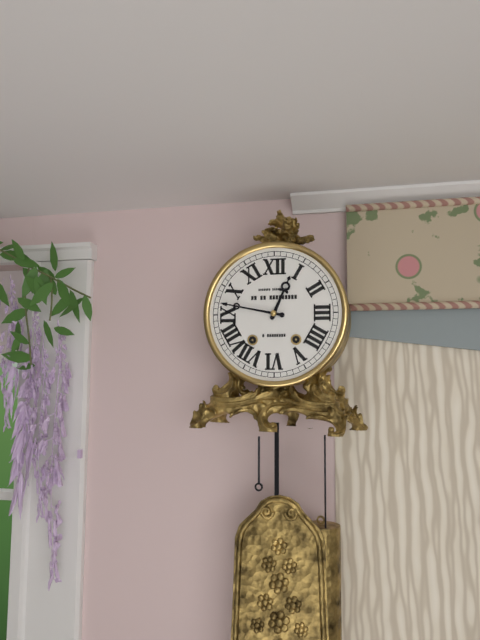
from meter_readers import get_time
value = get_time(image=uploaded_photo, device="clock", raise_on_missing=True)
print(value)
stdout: 12:47
